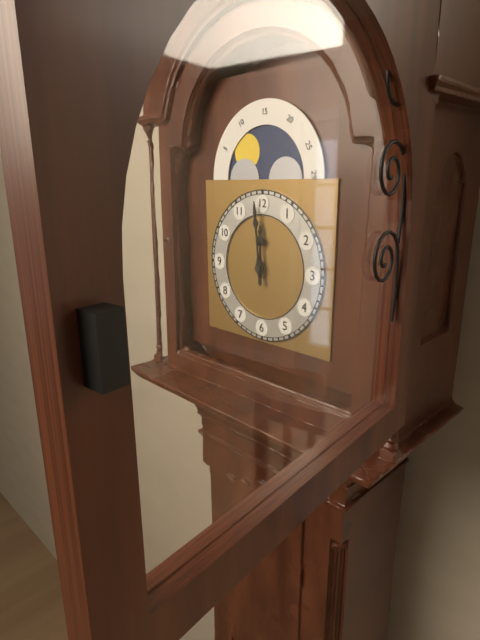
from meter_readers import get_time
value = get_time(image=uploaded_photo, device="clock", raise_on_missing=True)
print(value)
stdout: 11:59
